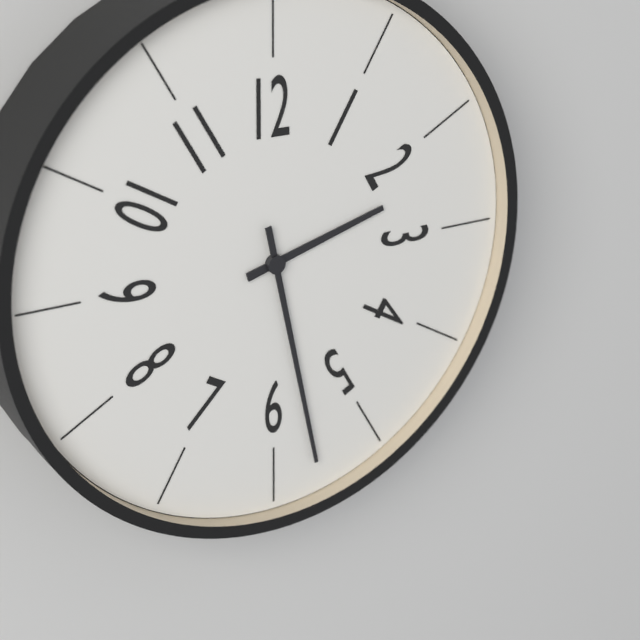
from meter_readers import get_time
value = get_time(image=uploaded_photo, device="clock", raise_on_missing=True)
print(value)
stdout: 2:28
